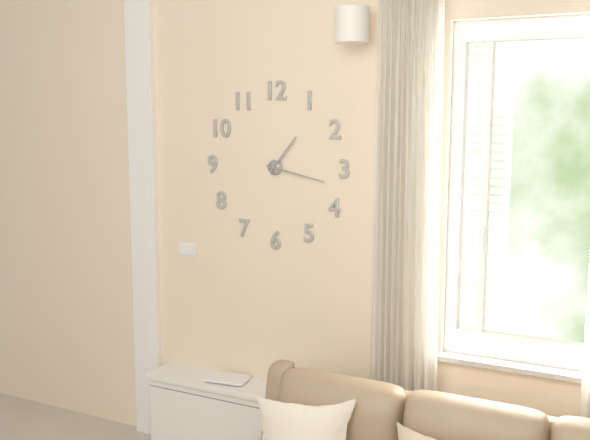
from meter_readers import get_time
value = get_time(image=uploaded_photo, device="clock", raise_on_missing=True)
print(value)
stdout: 1:17
